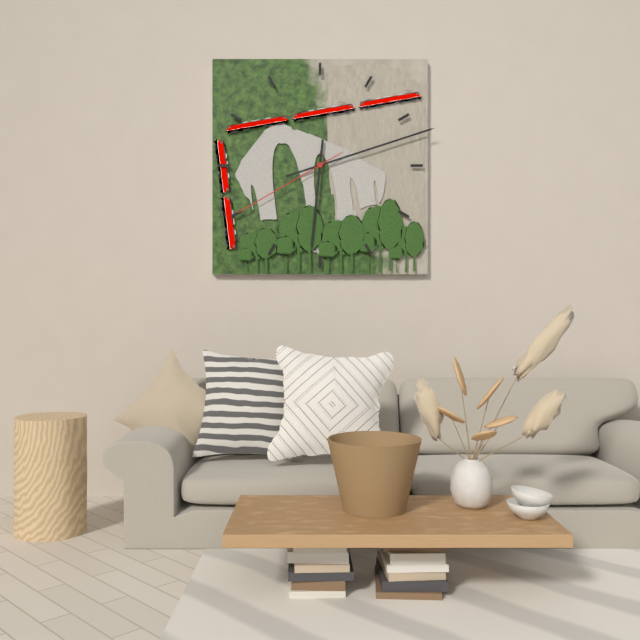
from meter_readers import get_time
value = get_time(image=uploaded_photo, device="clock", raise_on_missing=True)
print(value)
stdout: 6:12:40
